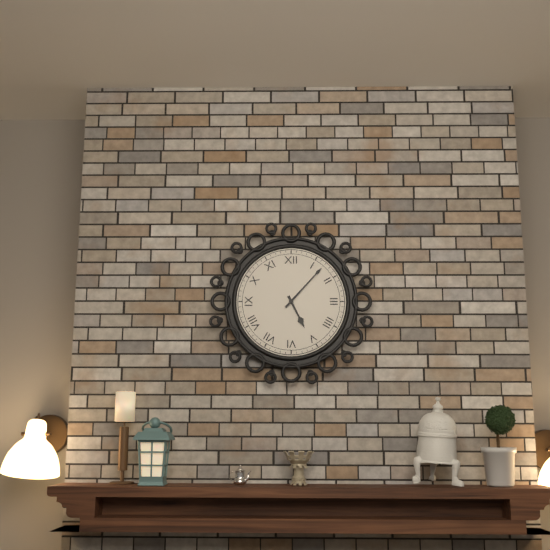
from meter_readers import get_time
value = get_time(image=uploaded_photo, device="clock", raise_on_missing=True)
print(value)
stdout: 5:07
